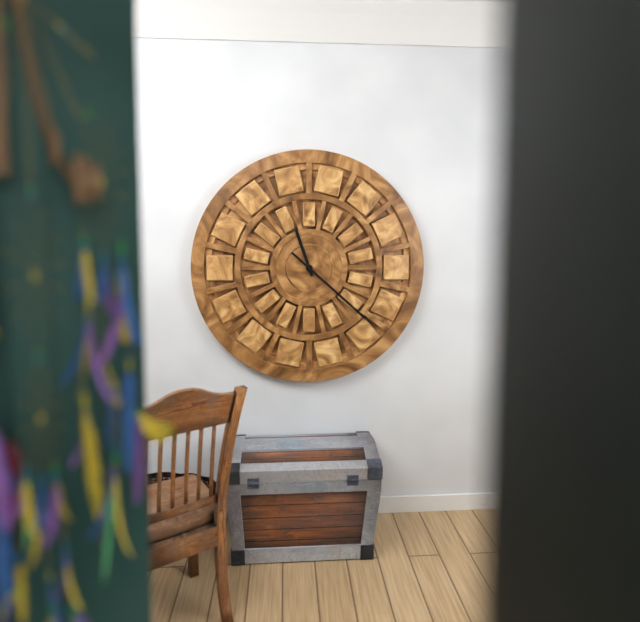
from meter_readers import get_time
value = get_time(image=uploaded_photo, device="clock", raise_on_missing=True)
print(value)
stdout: 11:22
